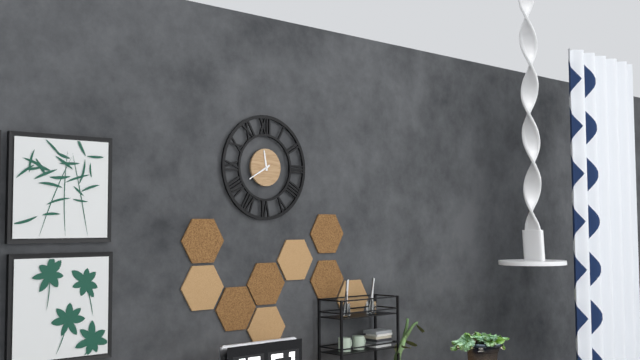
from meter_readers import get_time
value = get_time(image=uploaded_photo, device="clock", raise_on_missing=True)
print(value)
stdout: 11:40
